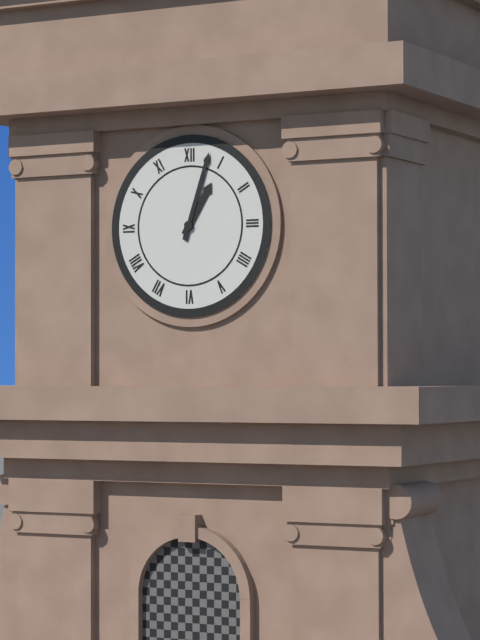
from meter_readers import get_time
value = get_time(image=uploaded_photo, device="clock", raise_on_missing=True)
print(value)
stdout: 1:03
